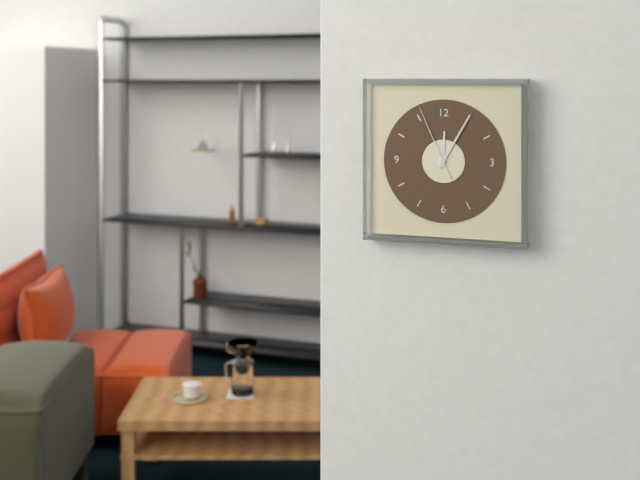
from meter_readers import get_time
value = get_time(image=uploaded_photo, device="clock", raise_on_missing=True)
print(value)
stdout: 12:05:56
